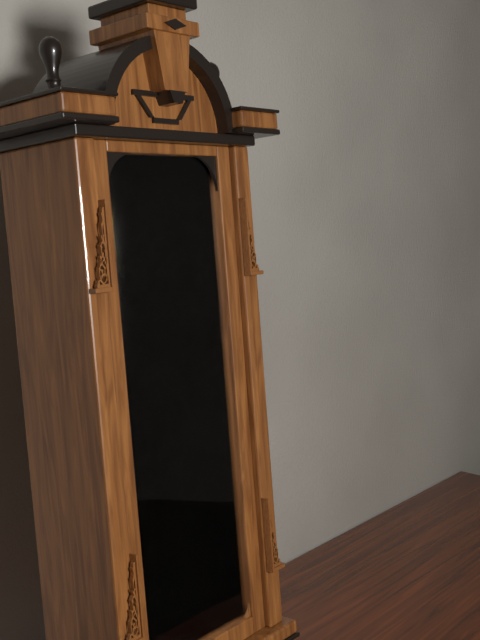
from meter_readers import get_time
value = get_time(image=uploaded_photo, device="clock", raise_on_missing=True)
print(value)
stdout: 3:43
